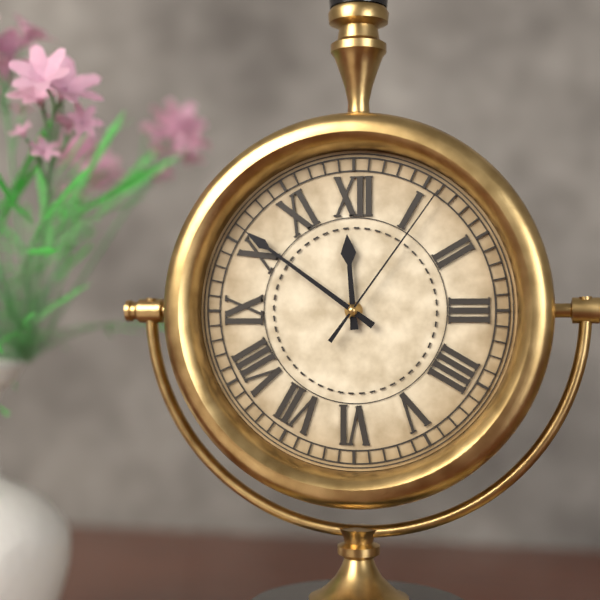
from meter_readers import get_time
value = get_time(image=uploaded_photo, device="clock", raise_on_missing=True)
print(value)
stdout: 11:51:06
